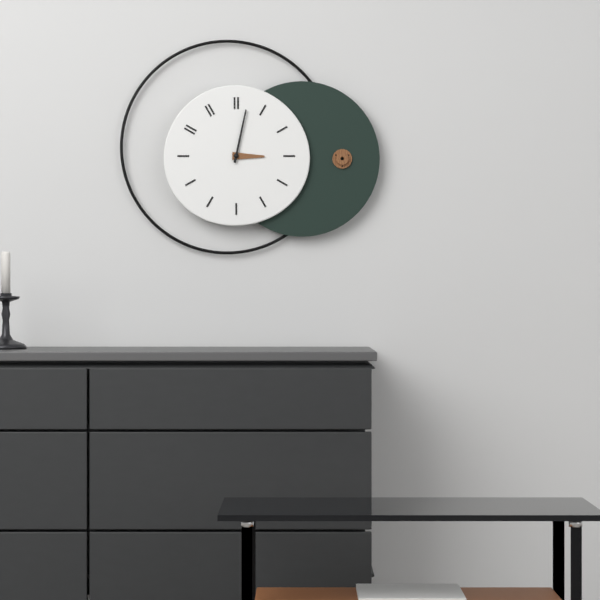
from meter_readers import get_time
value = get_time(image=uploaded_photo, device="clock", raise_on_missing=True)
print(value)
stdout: 3:02
